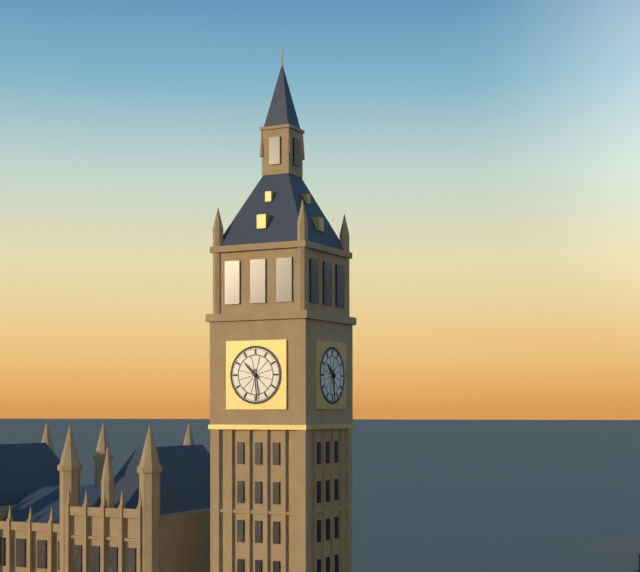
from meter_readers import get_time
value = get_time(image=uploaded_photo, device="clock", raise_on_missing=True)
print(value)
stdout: 10:29
